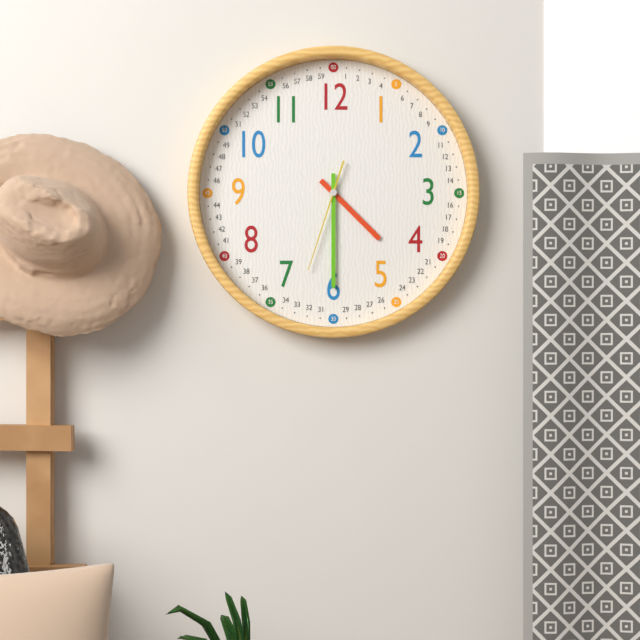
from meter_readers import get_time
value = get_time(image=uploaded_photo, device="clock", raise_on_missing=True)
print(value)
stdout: 4:30:33
